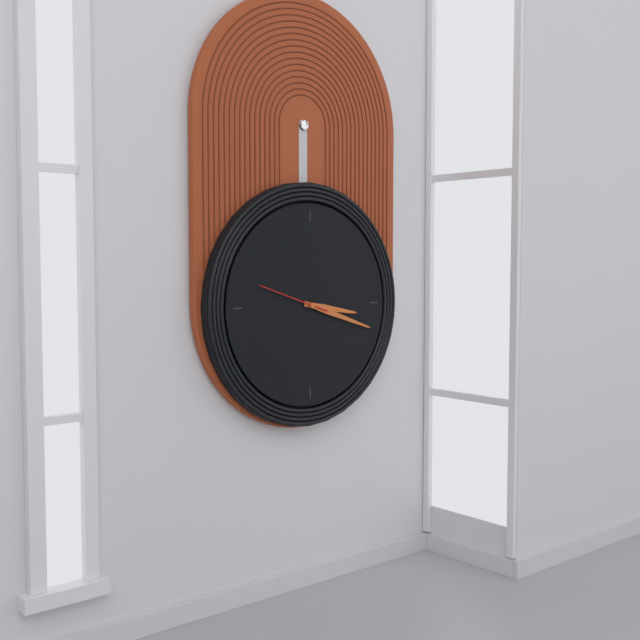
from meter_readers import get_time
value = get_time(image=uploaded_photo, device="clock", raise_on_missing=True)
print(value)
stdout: 3:18:48
